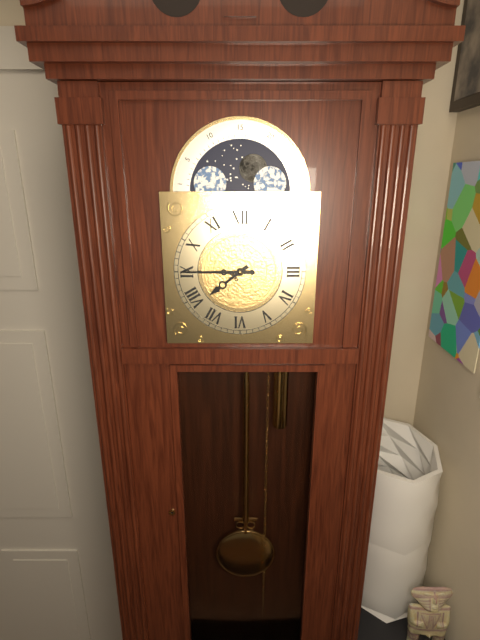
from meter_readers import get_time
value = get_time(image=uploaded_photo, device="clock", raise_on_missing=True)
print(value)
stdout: 7:45
